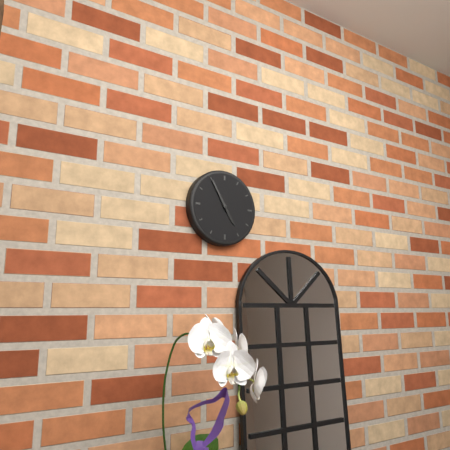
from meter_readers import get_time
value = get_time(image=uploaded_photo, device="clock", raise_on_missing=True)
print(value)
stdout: 4:55
